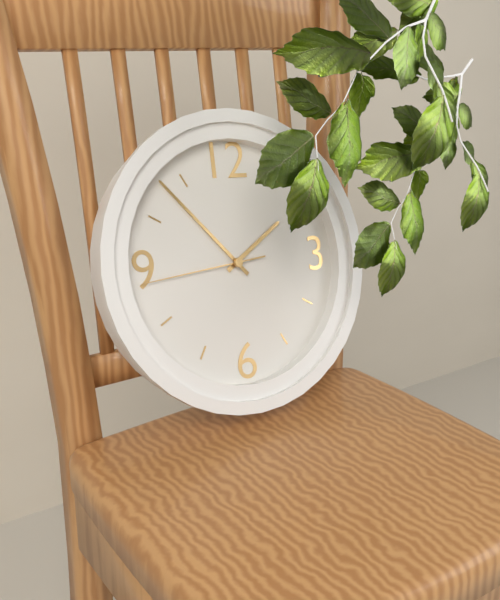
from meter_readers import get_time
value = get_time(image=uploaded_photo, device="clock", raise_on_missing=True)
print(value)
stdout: 1:53:44
